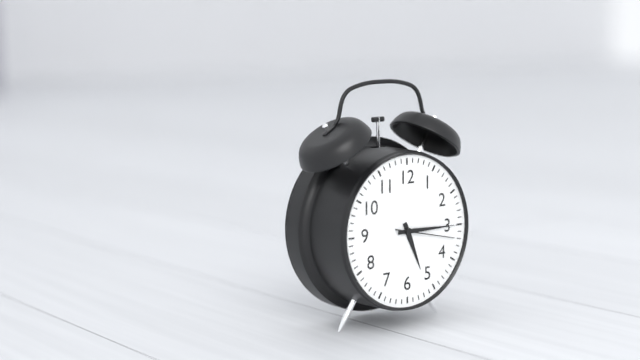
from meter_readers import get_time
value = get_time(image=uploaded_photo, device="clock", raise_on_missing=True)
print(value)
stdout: 5:15:17
